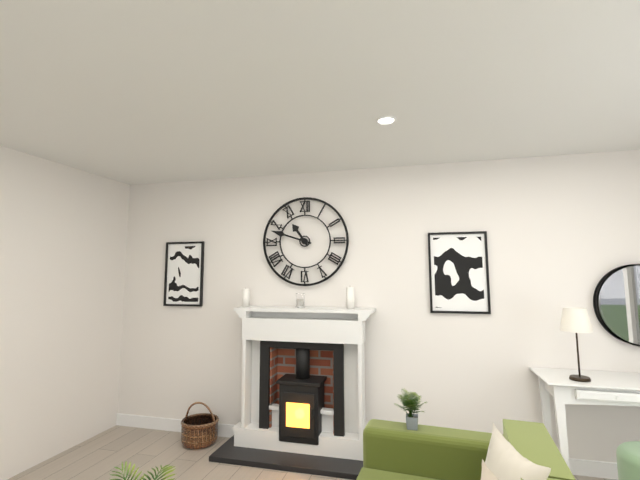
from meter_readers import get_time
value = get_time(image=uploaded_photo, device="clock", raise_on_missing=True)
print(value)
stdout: 10:48
